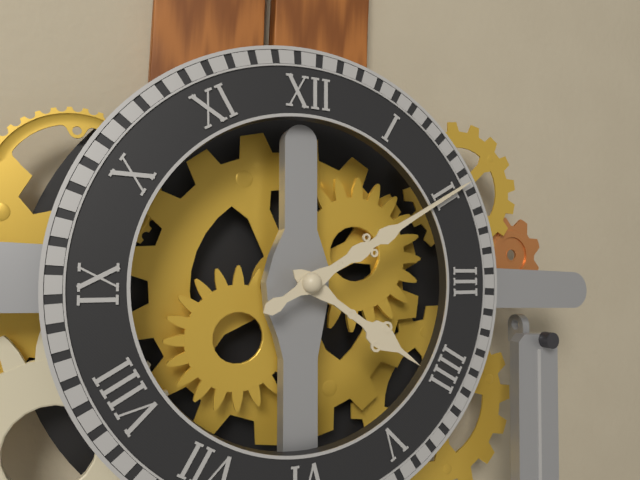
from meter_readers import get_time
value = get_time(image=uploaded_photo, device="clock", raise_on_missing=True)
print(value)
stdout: 4:10
